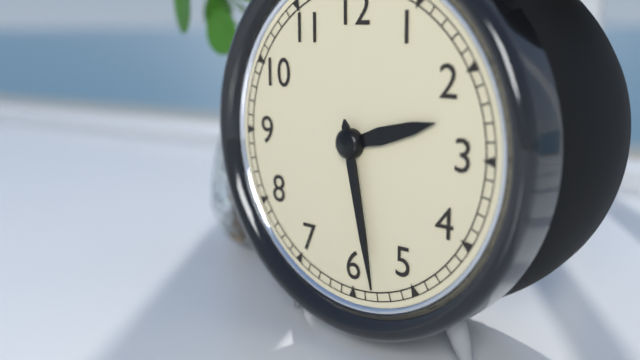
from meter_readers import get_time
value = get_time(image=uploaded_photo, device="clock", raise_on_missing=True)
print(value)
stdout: 2:28
